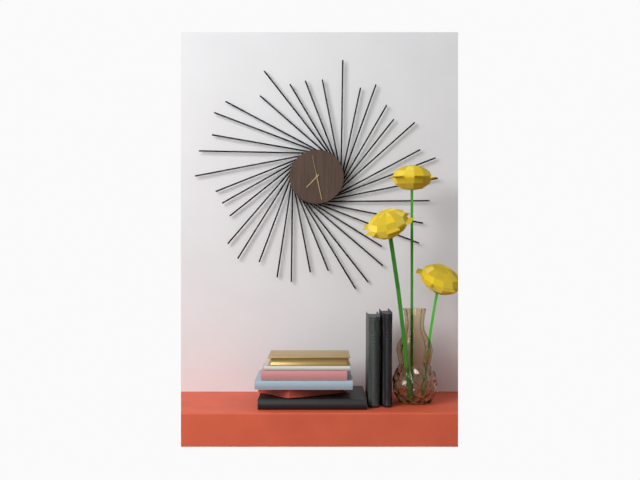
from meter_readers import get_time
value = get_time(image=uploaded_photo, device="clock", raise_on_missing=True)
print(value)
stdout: 7:28
